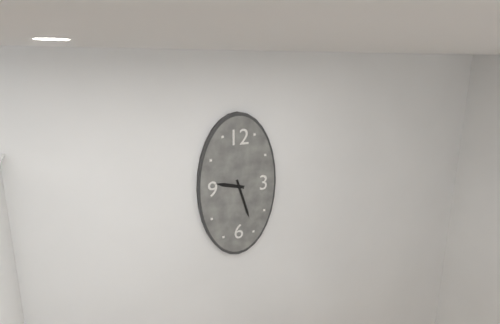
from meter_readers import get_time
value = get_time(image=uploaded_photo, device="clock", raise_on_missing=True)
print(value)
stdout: 9:27
